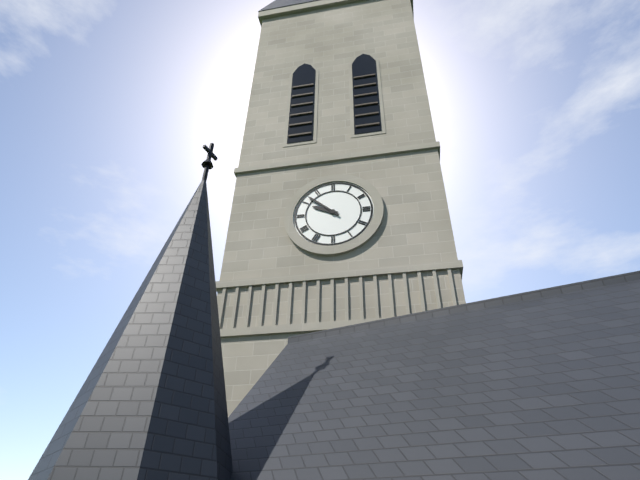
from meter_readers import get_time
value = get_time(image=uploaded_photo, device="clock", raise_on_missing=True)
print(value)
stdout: 9:52
